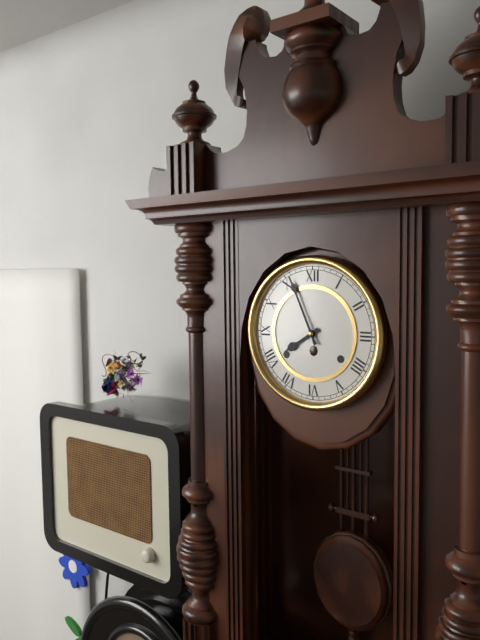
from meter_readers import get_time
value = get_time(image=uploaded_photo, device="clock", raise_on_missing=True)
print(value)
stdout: 7:56
